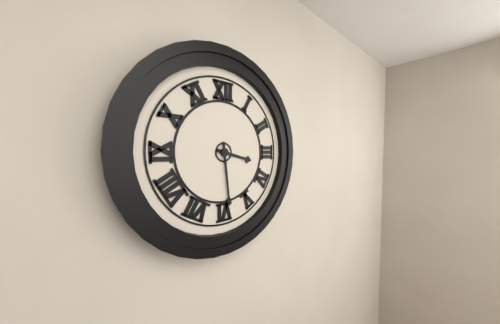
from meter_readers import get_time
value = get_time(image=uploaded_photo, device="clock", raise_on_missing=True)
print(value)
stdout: 3:29
